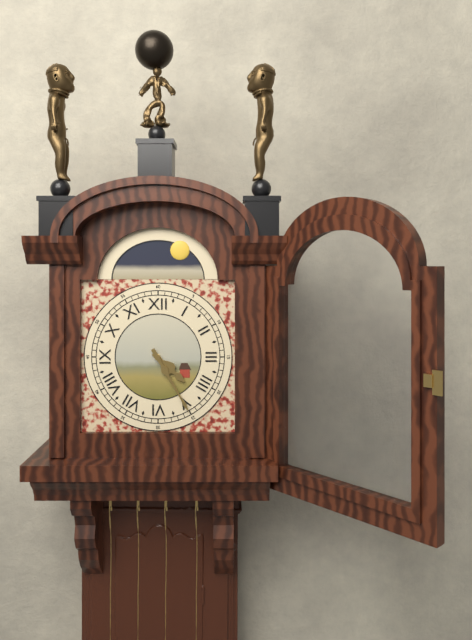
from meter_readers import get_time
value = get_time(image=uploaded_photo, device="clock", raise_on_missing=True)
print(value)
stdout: 4:25
